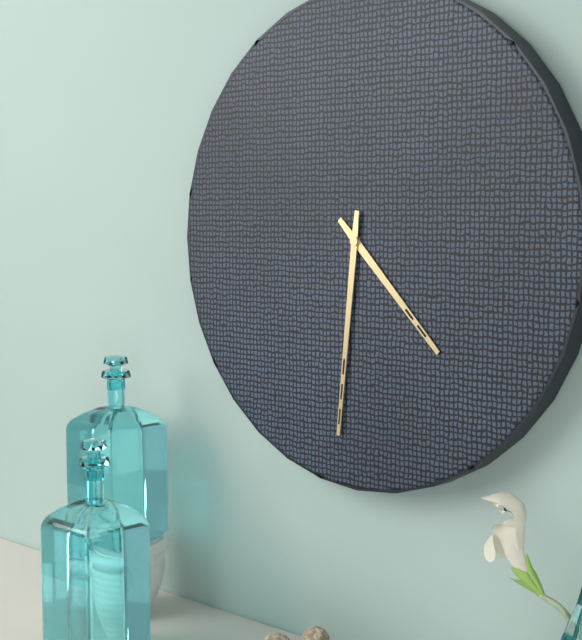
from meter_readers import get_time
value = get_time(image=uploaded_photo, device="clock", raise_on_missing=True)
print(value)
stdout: 4:31
